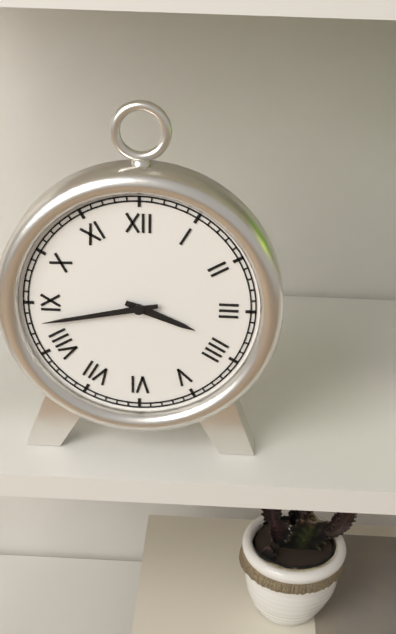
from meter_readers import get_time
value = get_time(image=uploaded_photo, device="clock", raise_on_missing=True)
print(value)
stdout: 3:43
